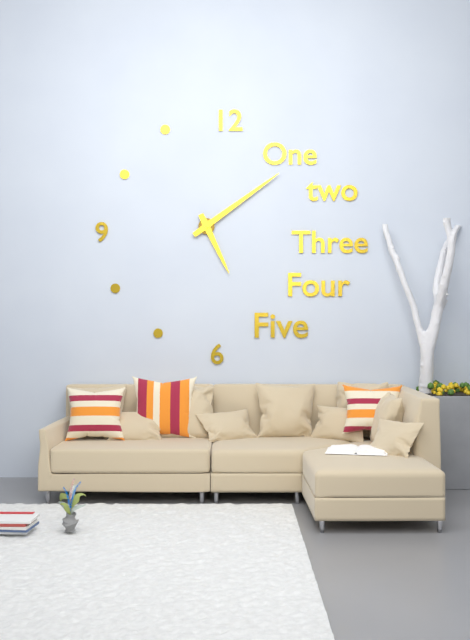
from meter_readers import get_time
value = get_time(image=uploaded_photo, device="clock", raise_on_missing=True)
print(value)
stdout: 5:09
